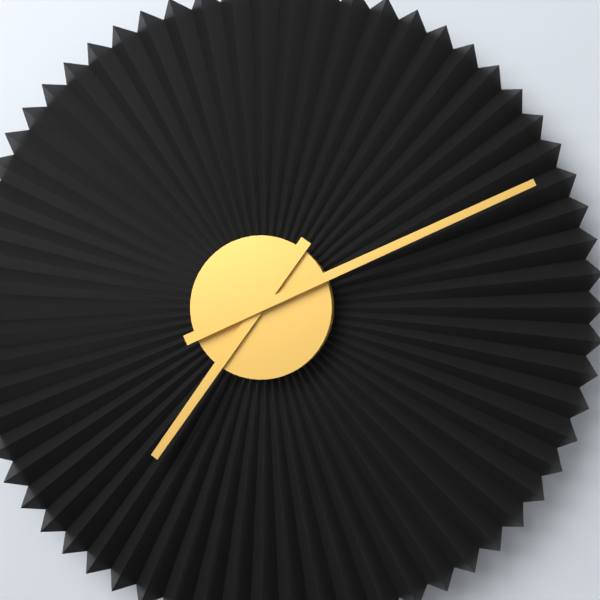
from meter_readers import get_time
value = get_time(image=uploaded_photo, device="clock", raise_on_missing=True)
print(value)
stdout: 7:11
